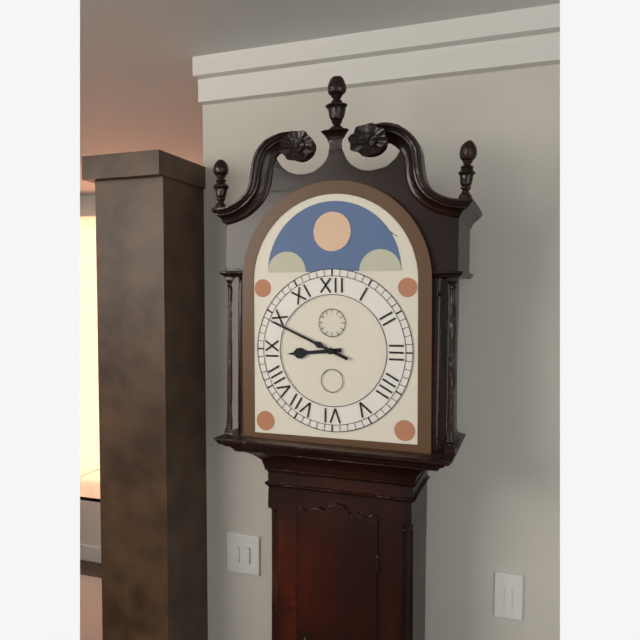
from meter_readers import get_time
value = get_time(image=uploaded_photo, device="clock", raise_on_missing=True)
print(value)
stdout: 8:49
